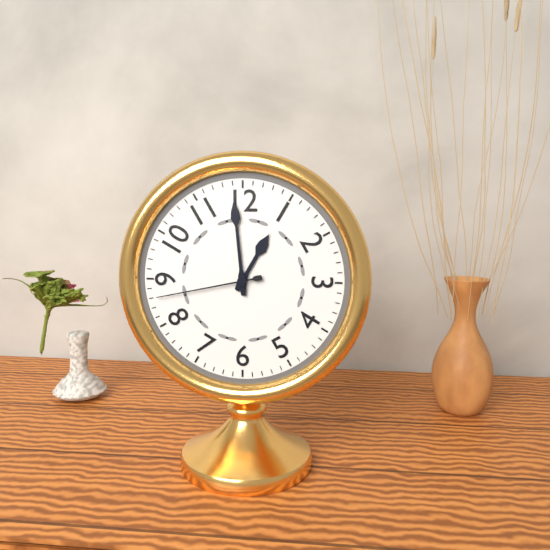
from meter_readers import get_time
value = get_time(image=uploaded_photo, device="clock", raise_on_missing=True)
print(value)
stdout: 12:59:43
